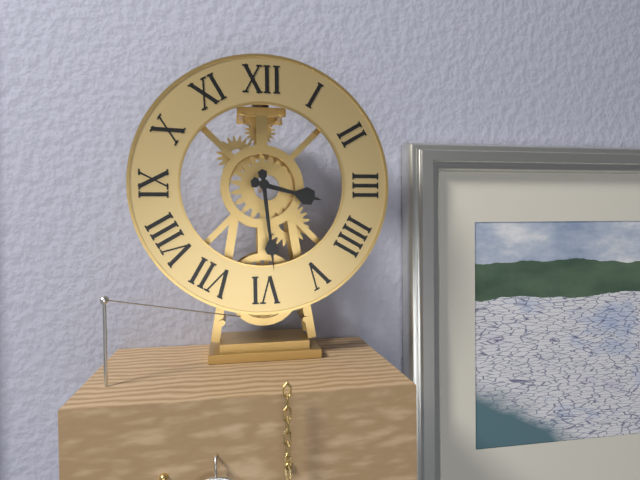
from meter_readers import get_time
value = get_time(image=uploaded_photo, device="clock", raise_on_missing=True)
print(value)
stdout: 3:29
